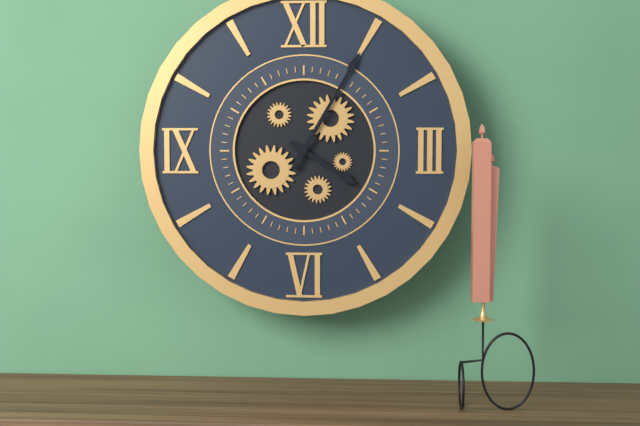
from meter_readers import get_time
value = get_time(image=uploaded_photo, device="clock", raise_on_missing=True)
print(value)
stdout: 4:05
